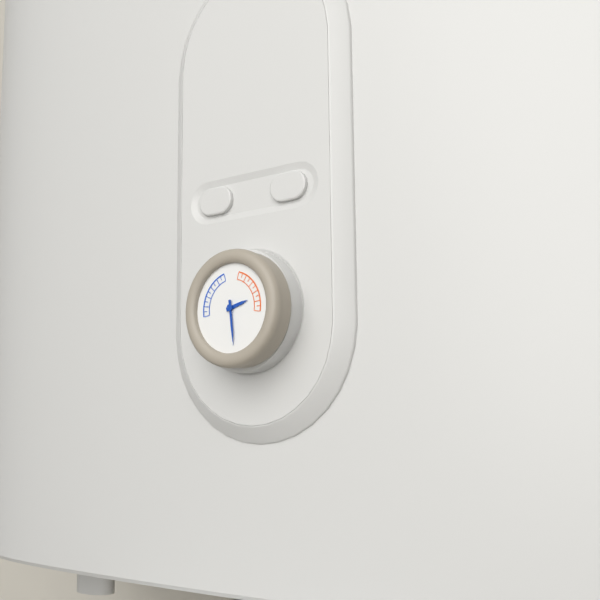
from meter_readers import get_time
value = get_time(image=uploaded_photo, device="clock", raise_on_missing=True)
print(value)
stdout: 2:29
